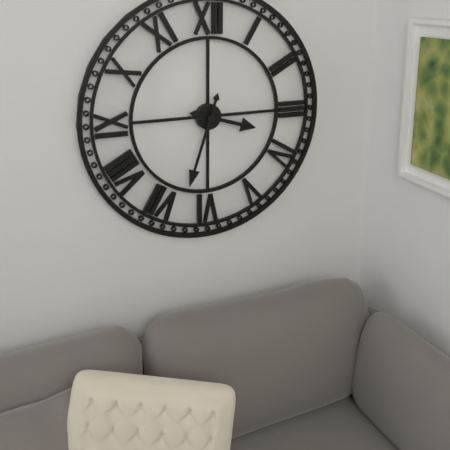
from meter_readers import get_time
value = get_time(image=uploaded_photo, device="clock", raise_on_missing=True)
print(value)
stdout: 3:33
